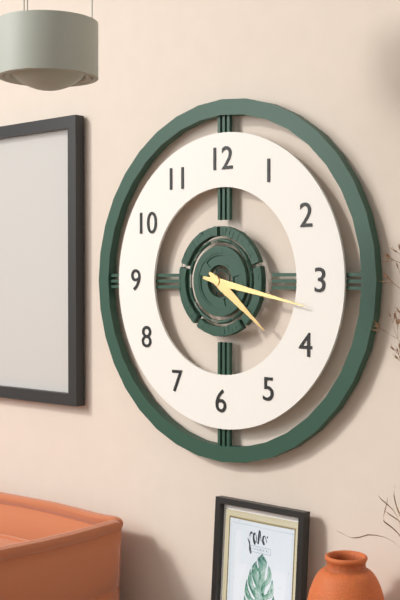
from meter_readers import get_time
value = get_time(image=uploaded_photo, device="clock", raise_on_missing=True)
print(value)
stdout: 4:17
